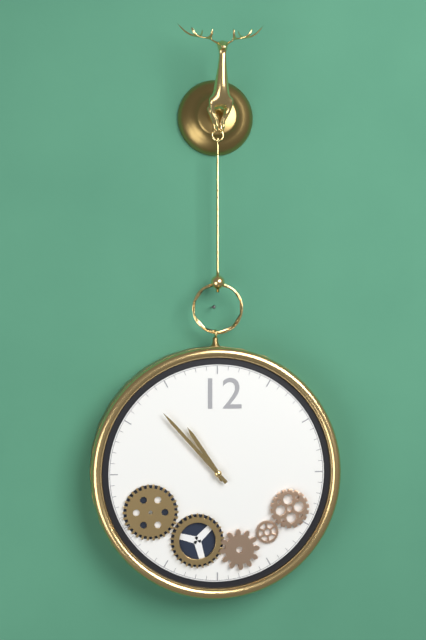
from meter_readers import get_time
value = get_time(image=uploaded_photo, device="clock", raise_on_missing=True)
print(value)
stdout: 10:53
